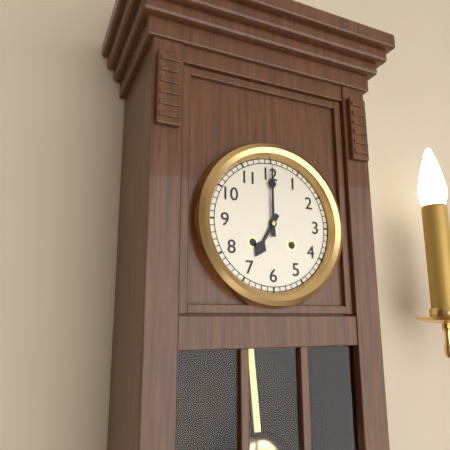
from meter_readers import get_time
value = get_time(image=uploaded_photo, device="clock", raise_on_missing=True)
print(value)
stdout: 7:00
